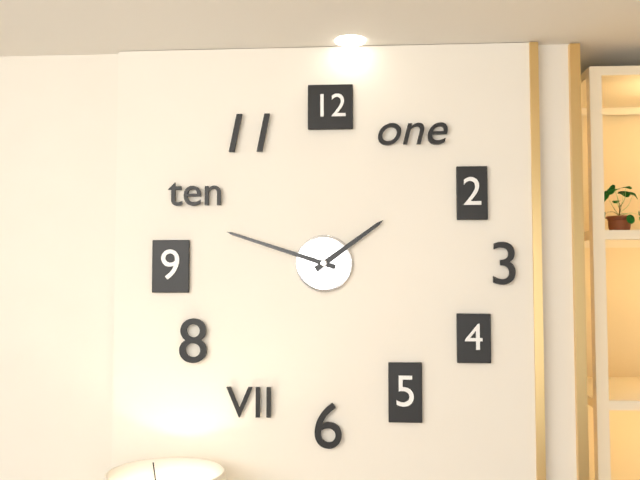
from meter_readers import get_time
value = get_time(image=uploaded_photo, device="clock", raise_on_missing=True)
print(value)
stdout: 1:48
